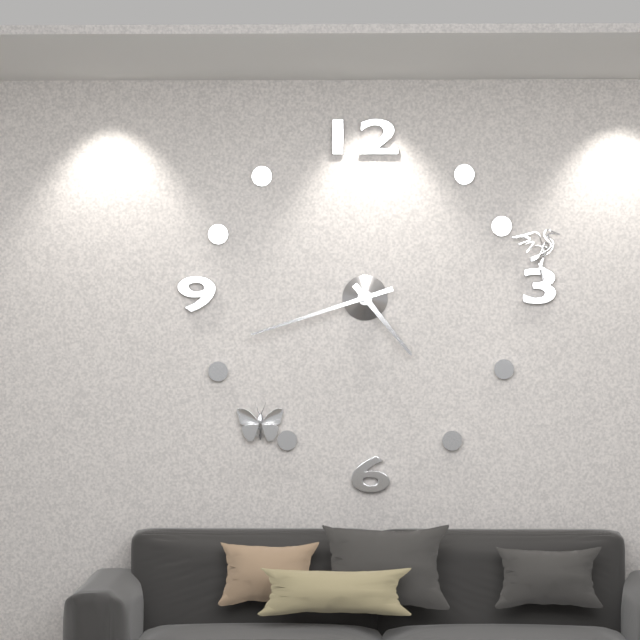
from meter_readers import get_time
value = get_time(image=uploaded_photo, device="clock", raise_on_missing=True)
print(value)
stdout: 4:42
